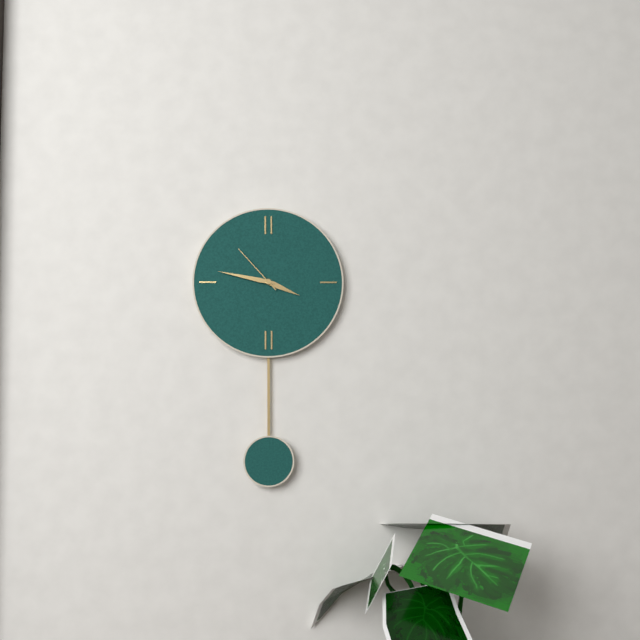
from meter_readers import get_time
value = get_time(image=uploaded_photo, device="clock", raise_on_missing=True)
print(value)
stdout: 3:47:53
